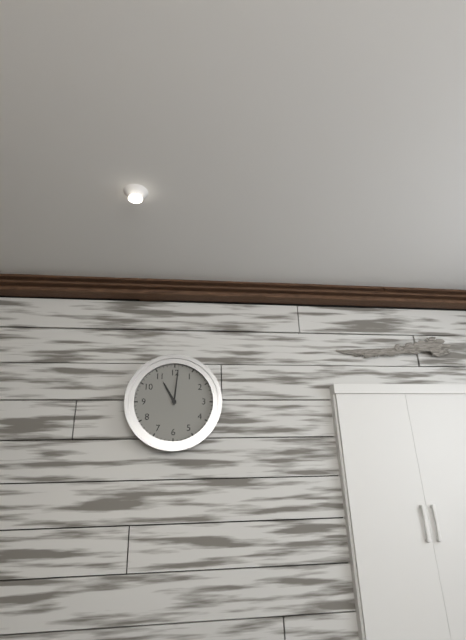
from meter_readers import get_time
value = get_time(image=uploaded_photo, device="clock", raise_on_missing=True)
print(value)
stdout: 11:01
